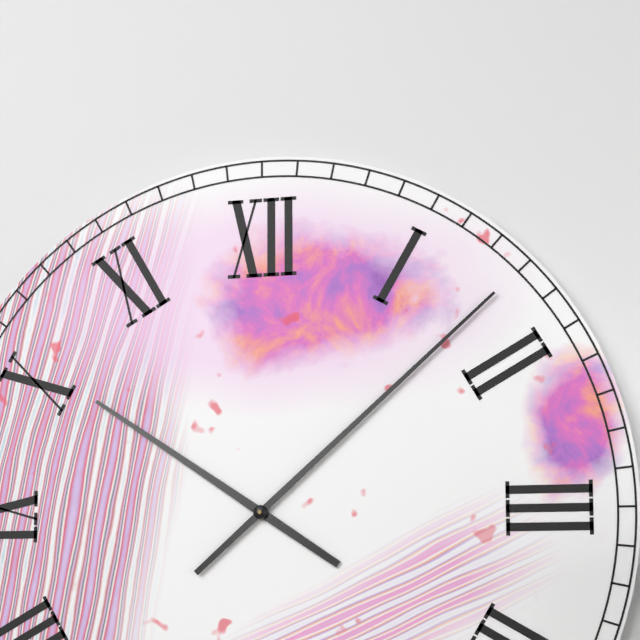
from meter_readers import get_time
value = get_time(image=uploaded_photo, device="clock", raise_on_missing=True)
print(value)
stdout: 10:08
